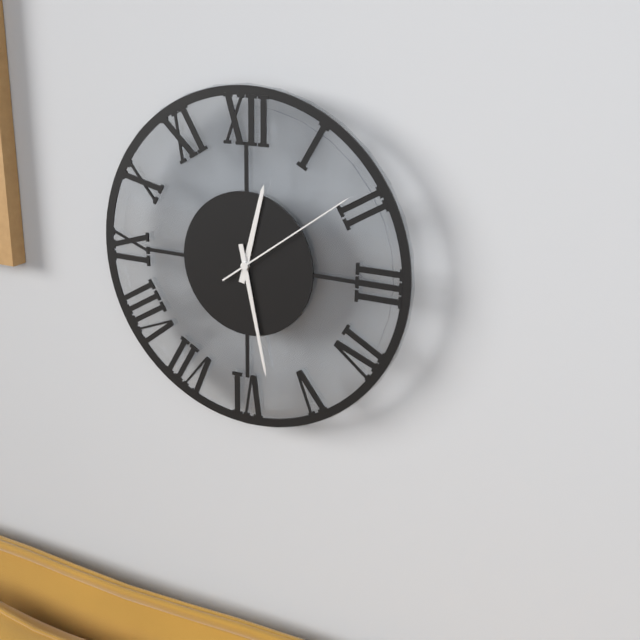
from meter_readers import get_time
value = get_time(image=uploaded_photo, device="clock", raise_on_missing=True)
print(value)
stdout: 12:28:09
